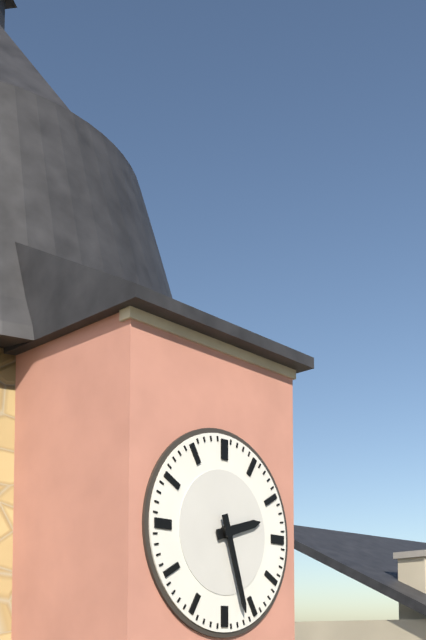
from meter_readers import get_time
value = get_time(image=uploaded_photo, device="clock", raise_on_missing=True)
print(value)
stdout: 2:27
